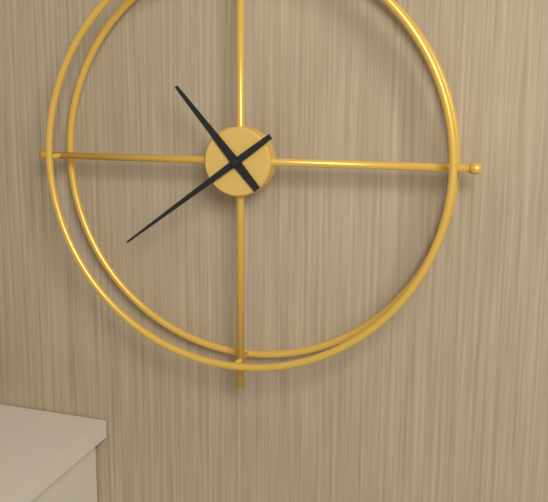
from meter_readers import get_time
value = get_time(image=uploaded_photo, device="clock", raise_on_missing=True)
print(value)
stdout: 10:39
